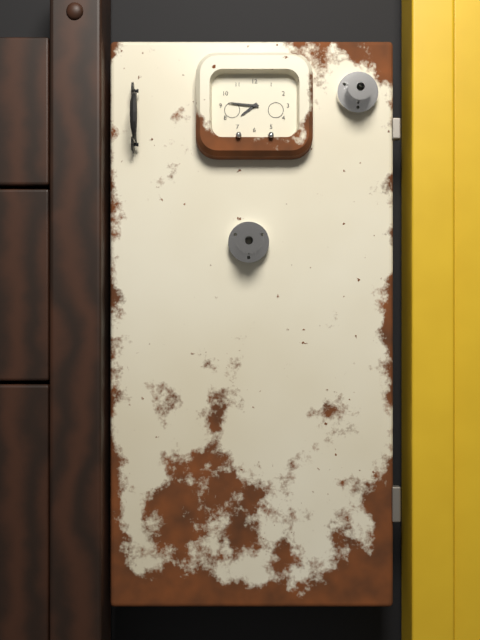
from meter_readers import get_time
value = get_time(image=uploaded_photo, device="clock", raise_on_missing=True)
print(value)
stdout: 7:46
